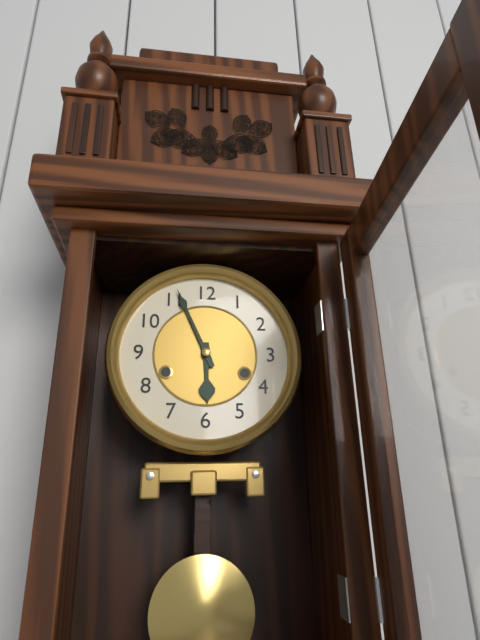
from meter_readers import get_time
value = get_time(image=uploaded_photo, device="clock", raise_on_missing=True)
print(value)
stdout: 5:56
